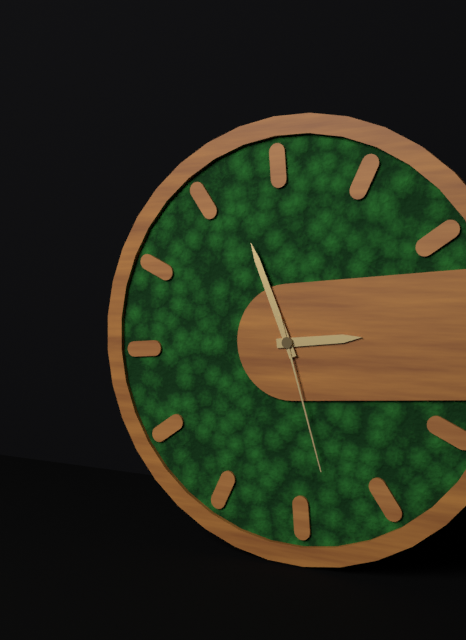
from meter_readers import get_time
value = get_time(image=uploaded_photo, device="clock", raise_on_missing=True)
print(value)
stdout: 2:57:28
